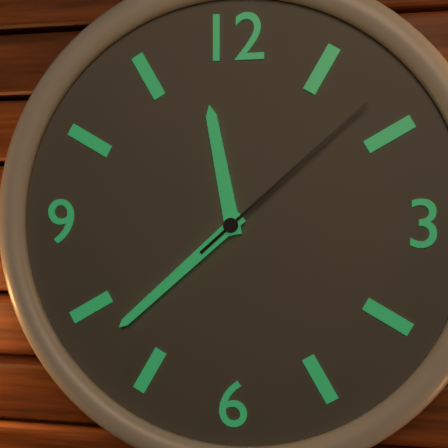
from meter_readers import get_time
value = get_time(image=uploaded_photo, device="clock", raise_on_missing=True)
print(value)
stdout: 11:38:08
